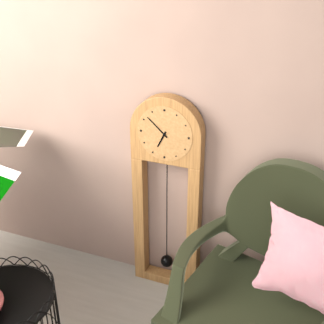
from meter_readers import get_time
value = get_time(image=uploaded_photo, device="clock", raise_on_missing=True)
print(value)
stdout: 6:52
